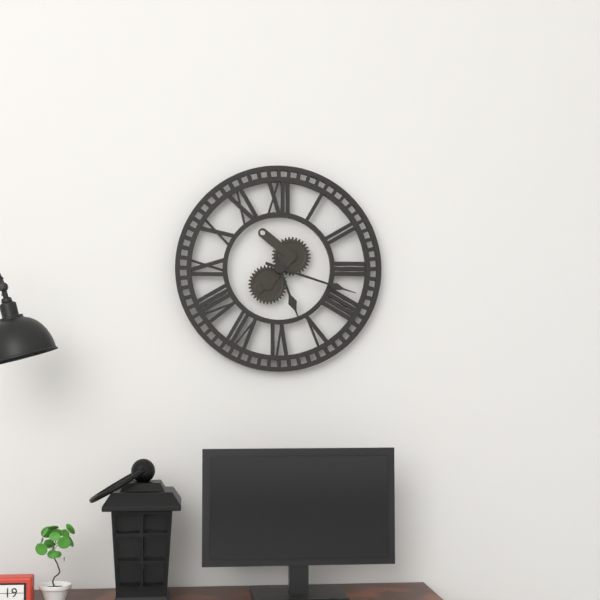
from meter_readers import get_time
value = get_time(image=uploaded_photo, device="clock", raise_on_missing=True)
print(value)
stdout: 5:18
